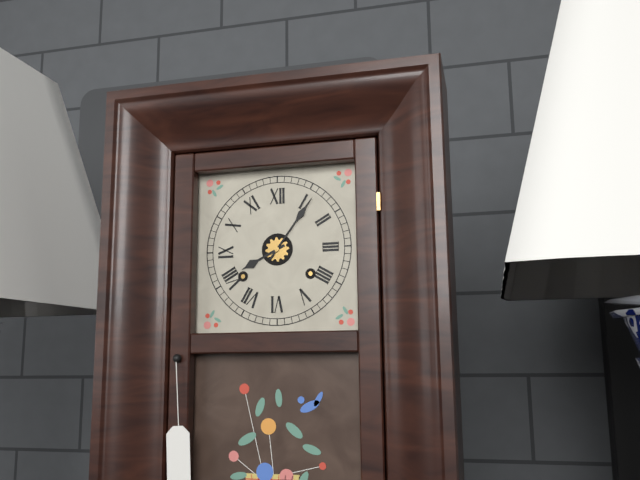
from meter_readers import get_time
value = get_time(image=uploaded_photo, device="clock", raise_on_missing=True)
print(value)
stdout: 8:06
